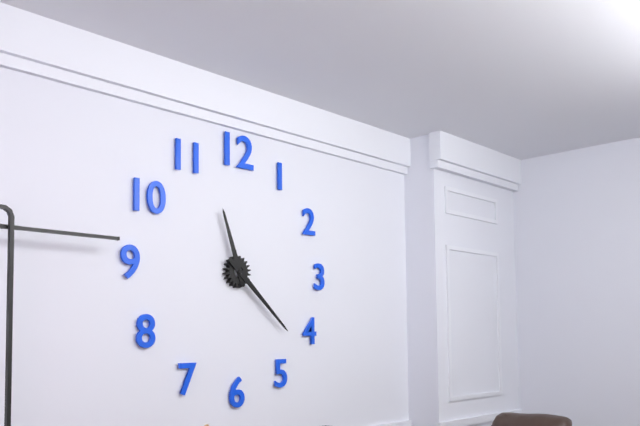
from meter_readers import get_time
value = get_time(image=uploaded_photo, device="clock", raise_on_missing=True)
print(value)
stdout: 11:22
